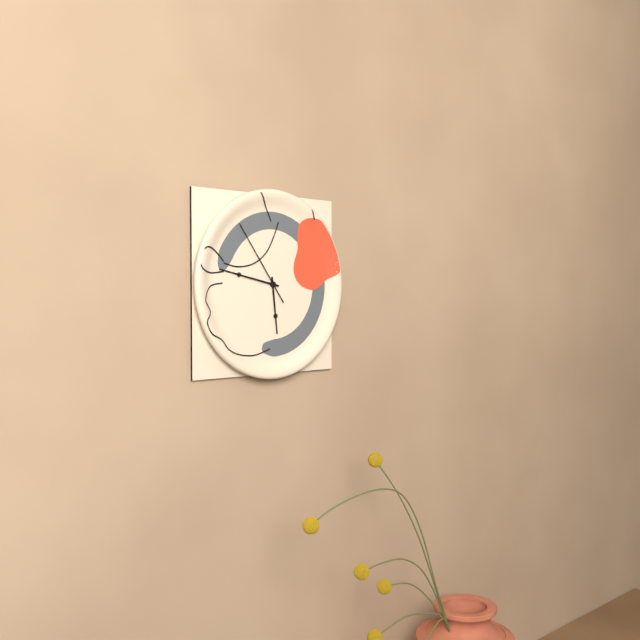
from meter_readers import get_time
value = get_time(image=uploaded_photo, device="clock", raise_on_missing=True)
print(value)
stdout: 5:47:54
